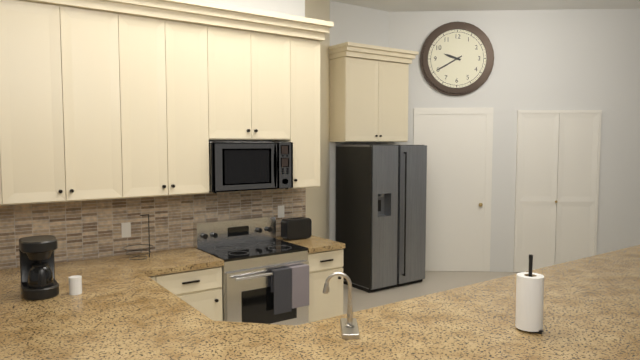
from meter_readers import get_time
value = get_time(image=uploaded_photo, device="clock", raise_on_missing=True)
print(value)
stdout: 9:40
